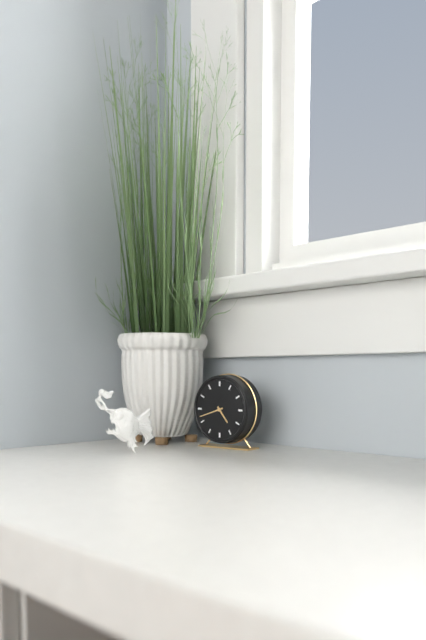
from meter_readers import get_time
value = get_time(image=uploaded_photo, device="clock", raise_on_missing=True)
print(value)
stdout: 4:42
